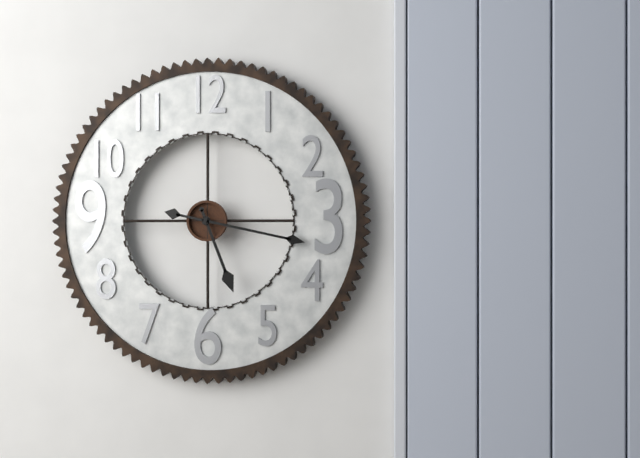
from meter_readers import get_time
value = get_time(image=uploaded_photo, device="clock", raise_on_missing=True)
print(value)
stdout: 5:17
